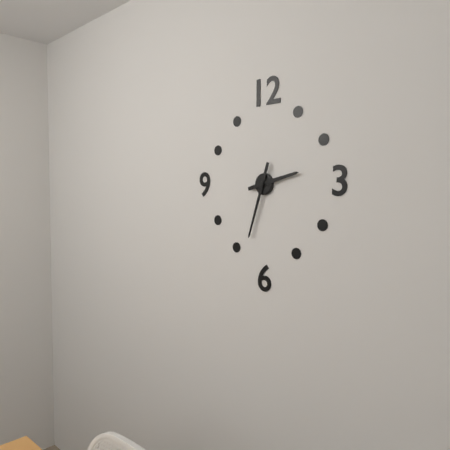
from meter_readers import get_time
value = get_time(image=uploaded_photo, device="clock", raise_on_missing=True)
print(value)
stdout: 2:33
